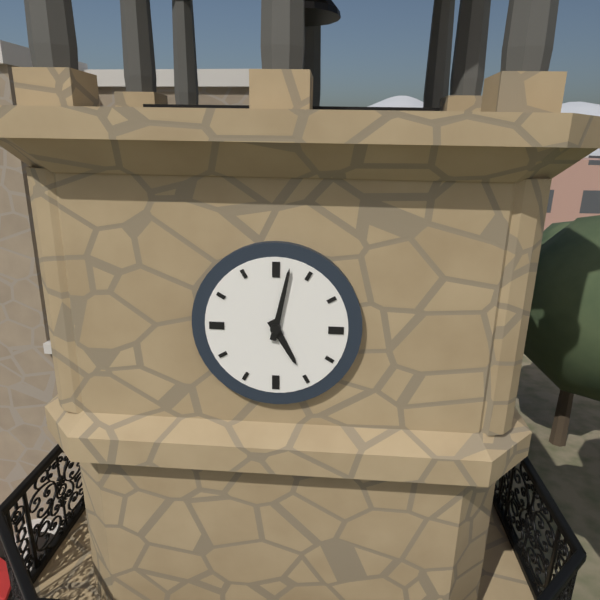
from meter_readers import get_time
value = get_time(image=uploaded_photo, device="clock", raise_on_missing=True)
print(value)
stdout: 5:02
